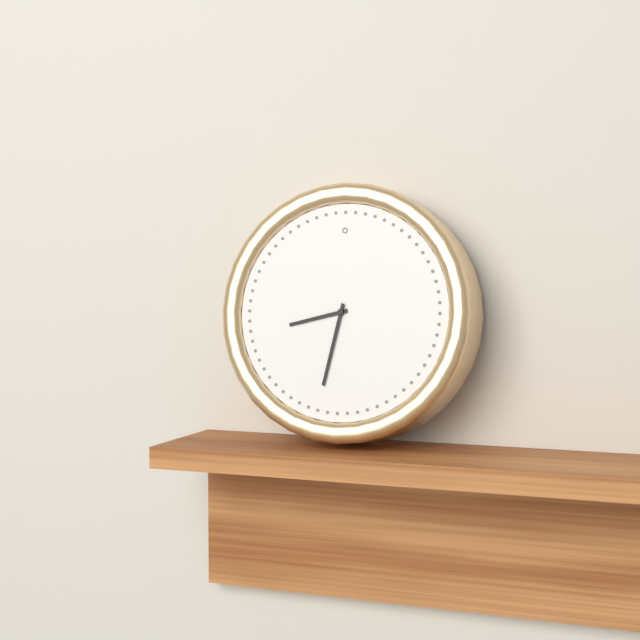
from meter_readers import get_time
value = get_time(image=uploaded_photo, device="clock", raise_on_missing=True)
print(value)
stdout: 8:32
